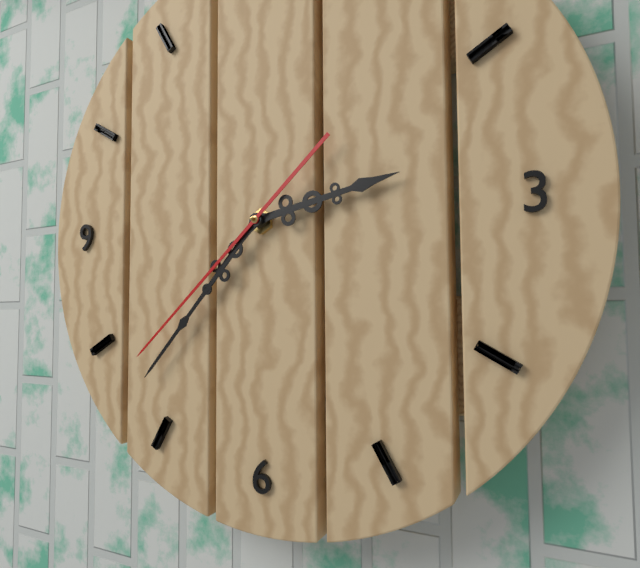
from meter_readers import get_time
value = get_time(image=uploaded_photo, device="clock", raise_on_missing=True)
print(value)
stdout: 2:37:38
